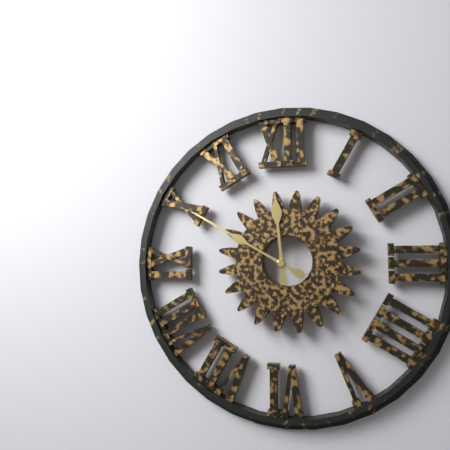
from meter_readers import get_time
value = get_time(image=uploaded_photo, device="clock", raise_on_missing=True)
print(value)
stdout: 11:50
